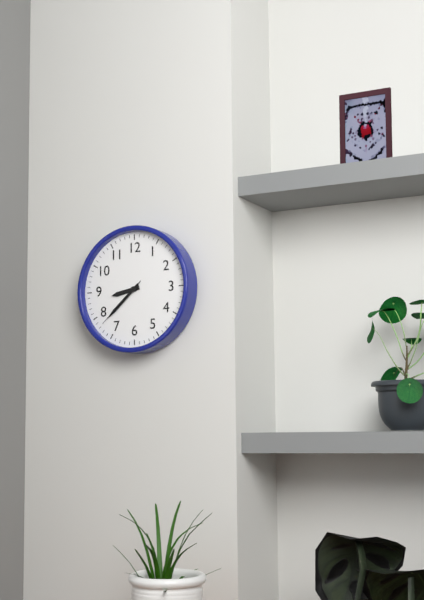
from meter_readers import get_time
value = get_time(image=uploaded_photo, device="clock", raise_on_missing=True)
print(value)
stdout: 8:38:38
